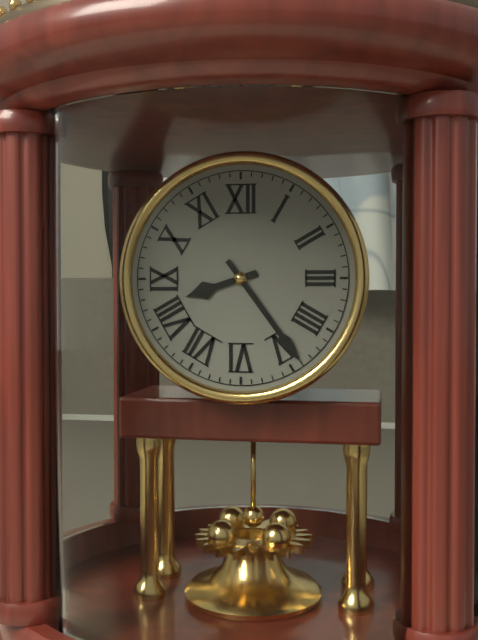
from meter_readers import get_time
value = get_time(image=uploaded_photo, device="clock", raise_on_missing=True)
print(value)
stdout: 8:24
